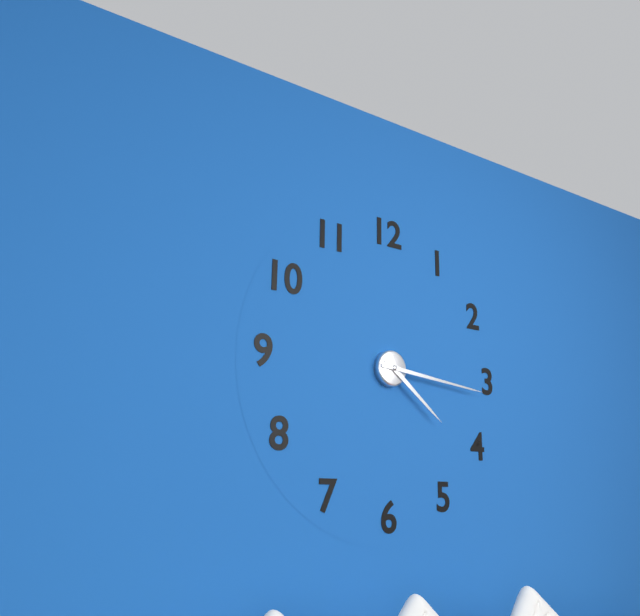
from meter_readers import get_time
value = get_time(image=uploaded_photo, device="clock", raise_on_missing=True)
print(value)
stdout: 4:16
